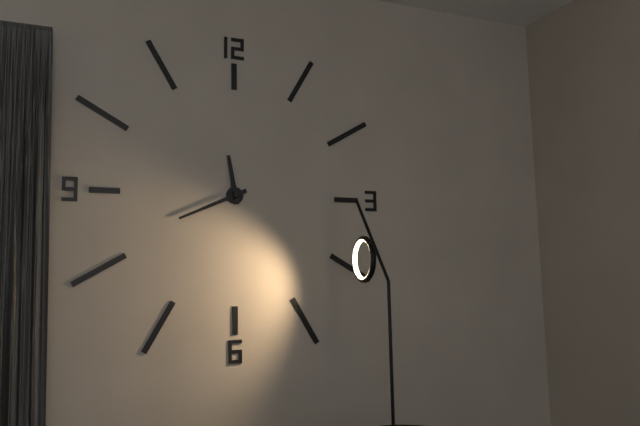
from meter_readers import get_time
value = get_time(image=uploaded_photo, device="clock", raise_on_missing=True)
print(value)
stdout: 11:41
